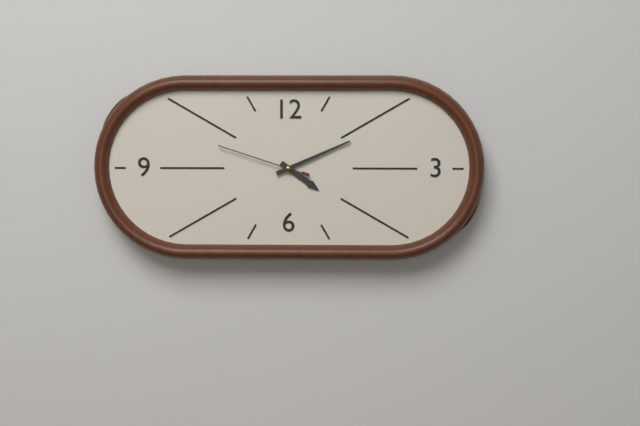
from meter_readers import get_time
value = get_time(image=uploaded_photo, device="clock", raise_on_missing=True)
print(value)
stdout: 4:11:48
